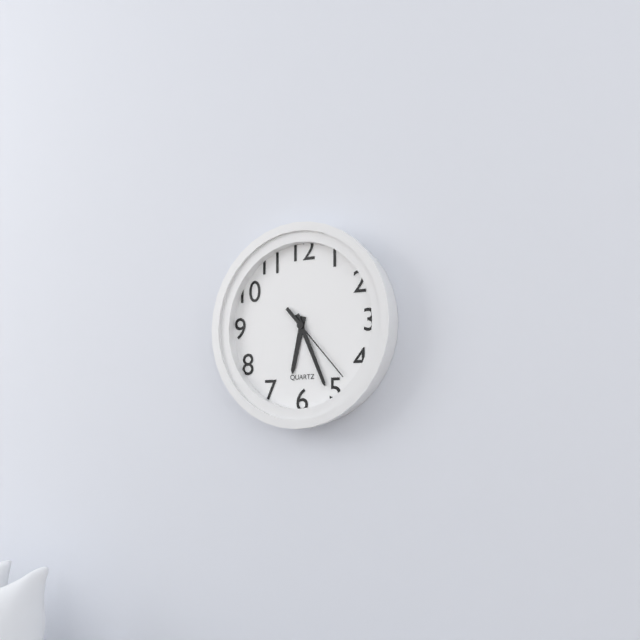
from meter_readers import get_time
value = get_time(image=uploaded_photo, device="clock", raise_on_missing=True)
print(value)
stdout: 6:26:23
